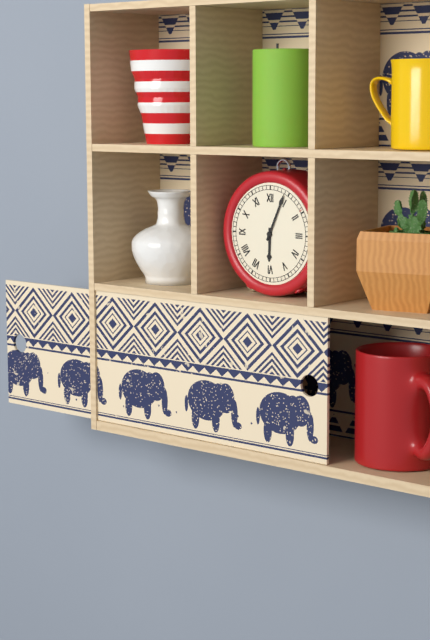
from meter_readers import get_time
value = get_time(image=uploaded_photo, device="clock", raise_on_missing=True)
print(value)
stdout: 6:04
